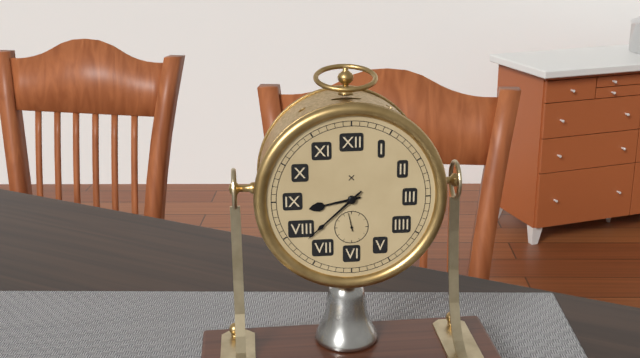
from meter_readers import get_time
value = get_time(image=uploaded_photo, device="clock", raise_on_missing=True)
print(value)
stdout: 8:38
